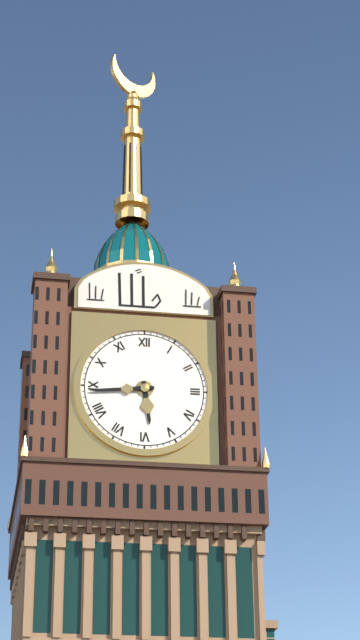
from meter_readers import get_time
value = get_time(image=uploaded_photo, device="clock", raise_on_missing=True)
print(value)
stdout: 5:44
